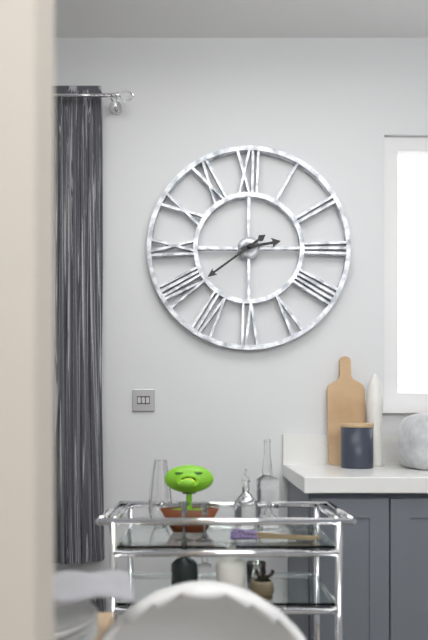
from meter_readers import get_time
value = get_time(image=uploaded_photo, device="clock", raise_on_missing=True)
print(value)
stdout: 2:39
